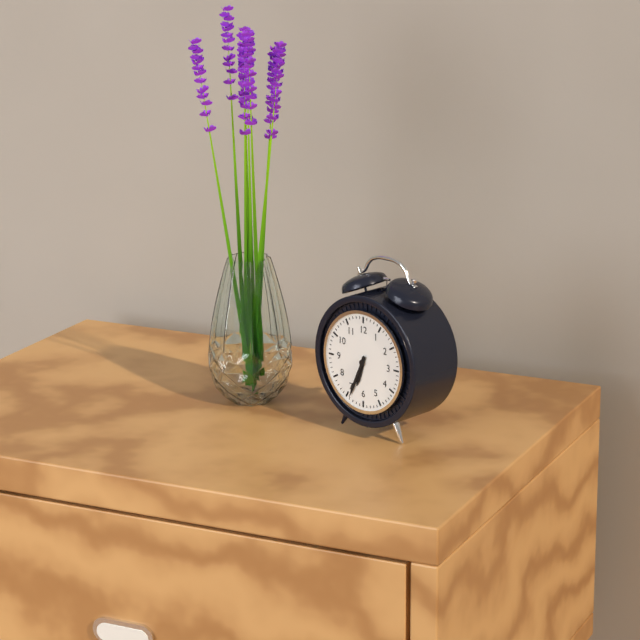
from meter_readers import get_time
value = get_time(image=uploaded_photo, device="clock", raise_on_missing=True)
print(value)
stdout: 6:34
